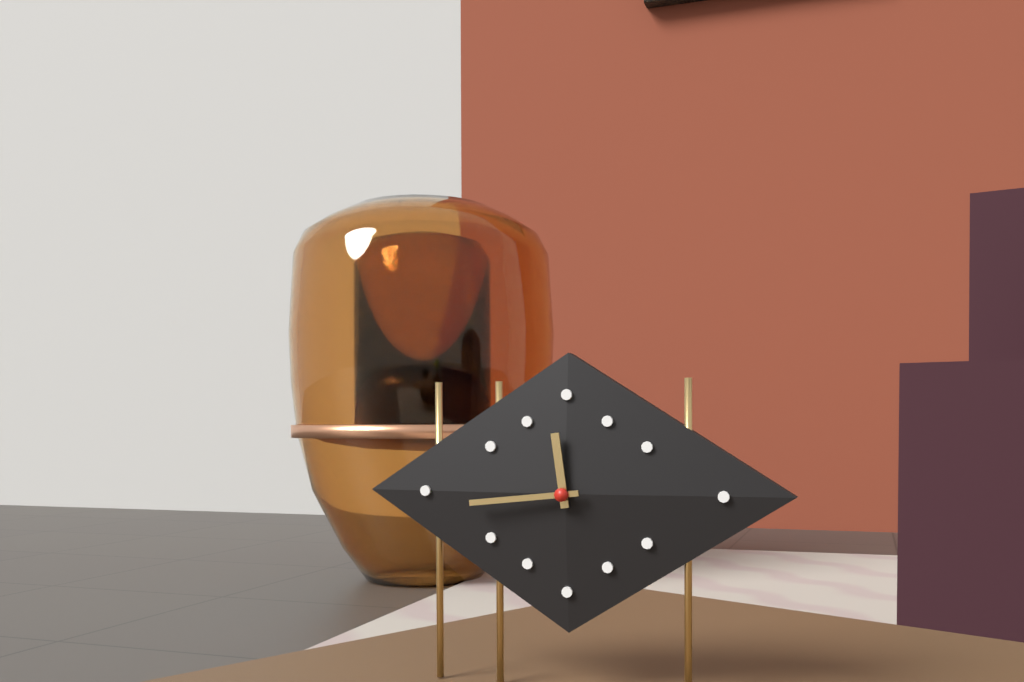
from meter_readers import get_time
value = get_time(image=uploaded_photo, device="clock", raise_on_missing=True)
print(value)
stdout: 11:44
